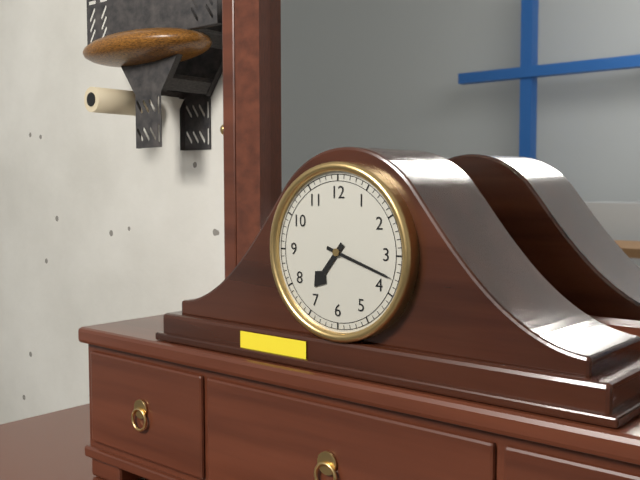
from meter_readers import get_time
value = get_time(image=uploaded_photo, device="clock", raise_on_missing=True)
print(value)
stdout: 7:18
